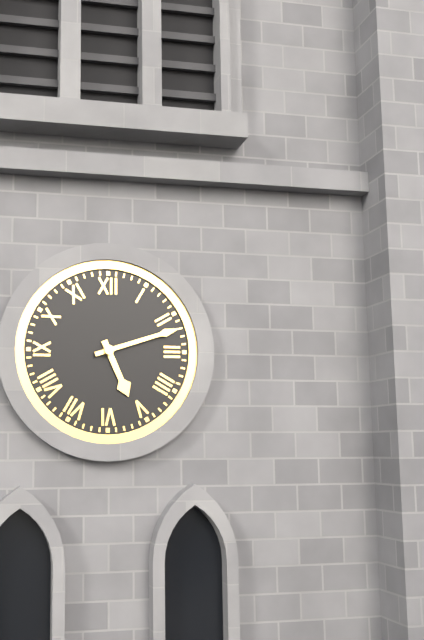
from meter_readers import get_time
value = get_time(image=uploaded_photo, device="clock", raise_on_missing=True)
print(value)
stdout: 5:12
